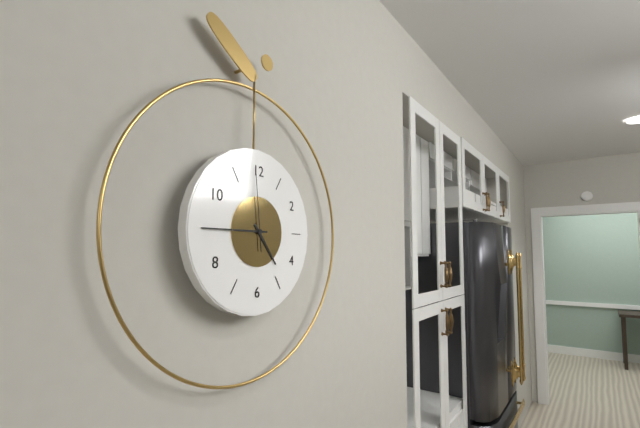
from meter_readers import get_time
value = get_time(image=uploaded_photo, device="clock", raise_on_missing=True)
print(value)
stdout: 4:45:59
